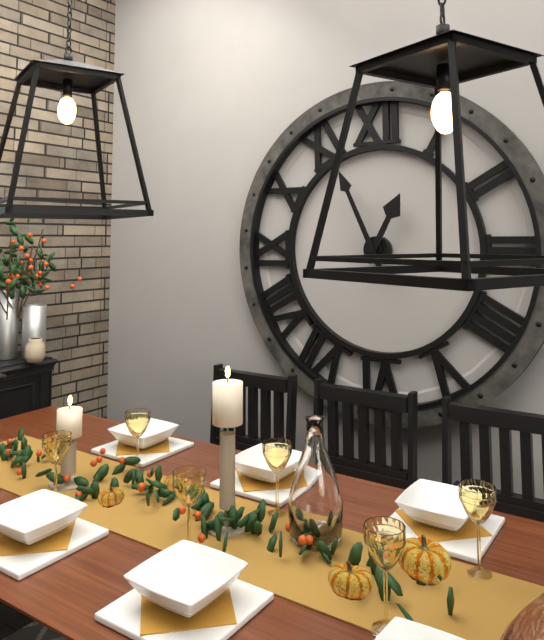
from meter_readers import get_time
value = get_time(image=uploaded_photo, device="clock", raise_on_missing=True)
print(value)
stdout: 12:56
